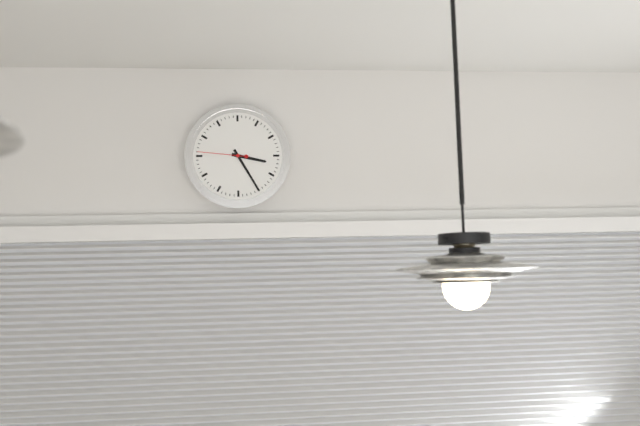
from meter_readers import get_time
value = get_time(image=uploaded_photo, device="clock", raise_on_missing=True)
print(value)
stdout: 3:25:46
